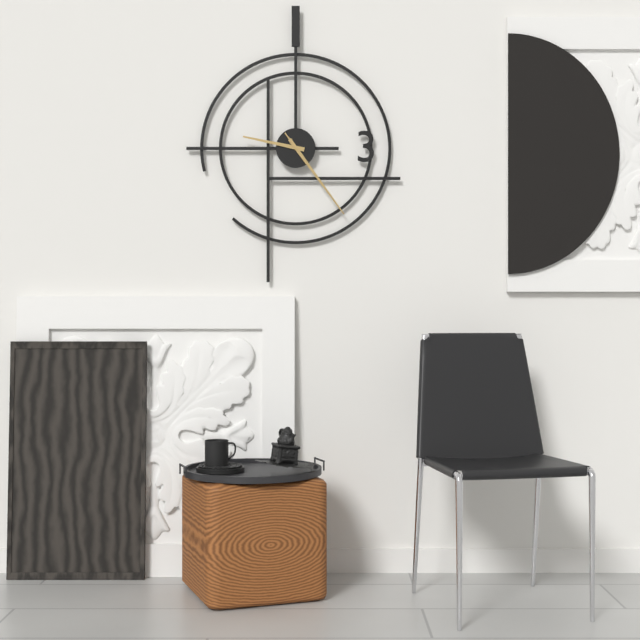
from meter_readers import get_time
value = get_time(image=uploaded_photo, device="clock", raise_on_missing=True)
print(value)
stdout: 9:24:24
